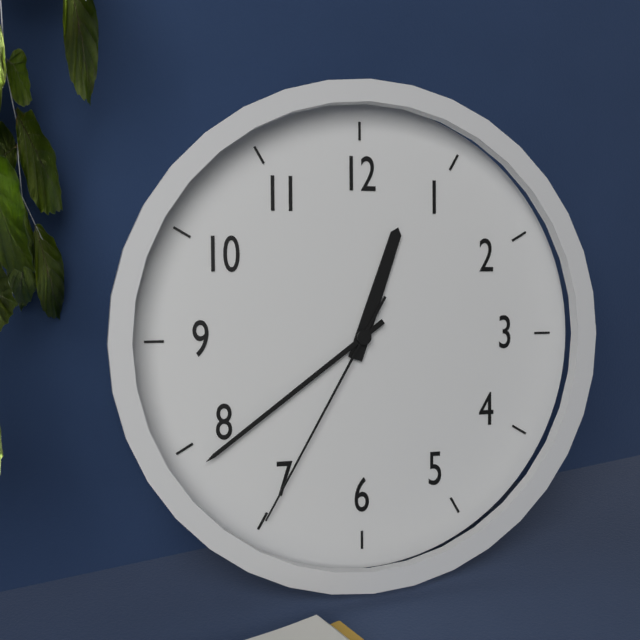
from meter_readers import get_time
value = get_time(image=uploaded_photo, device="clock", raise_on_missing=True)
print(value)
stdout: 12:39:35
